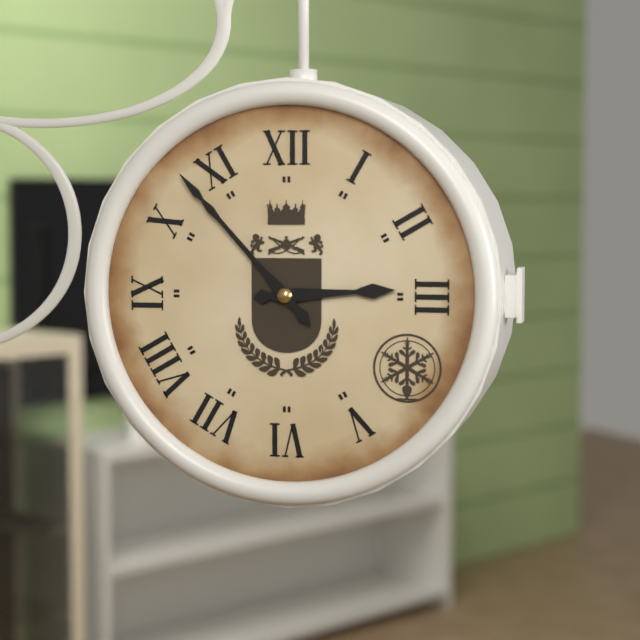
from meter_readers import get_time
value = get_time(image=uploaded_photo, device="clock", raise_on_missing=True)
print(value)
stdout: 2:53
